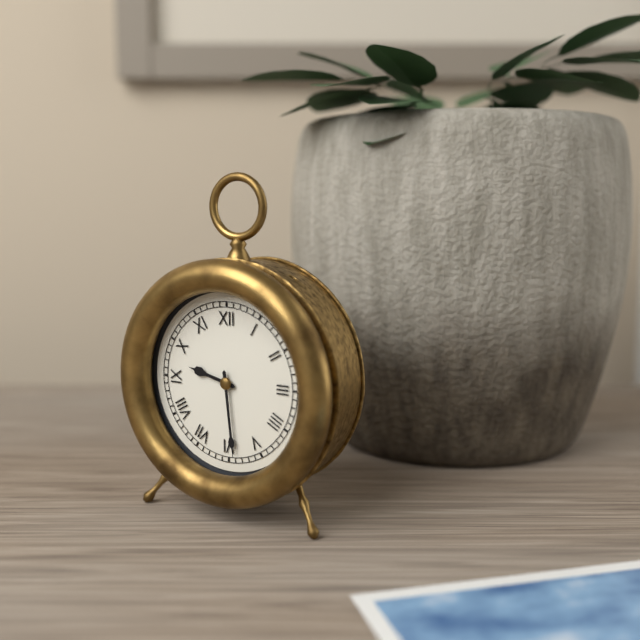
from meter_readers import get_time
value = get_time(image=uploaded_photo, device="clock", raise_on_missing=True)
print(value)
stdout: 9:29
